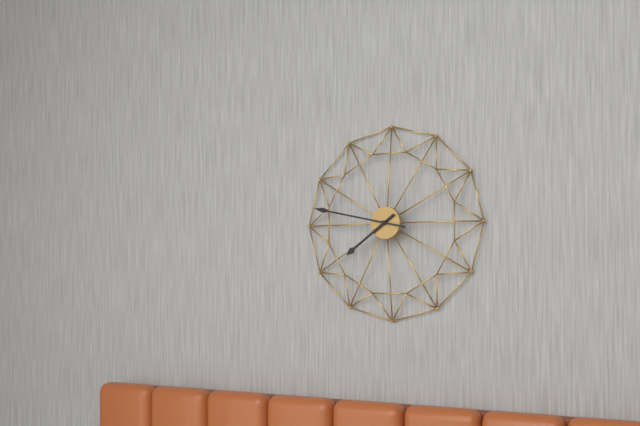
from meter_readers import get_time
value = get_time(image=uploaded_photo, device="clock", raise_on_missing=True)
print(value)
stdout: 7:47
